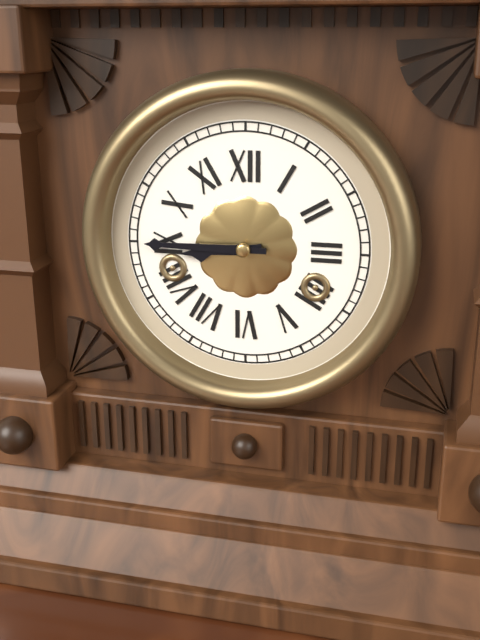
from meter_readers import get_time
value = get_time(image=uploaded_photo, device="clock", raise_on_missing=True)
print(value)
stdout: 8:45
